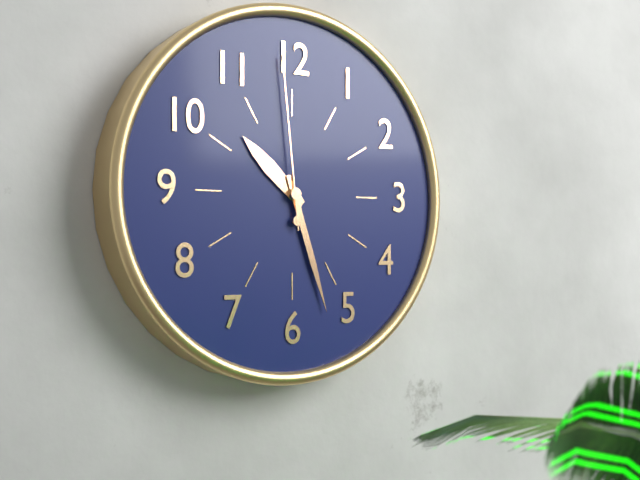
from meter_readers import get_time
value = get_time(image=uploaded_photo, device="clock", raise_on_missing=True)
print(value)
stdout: 10:27:59
